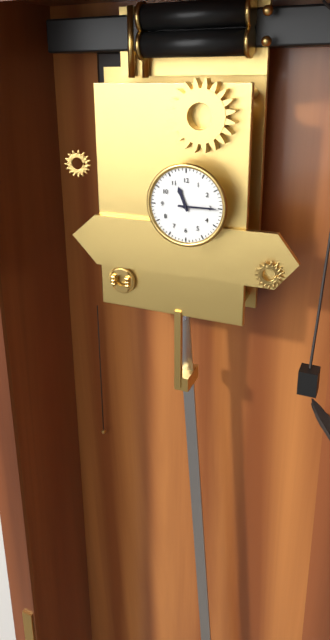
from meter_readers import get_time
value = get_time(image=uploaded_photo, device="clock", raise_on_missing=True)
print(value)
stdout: 11:15
